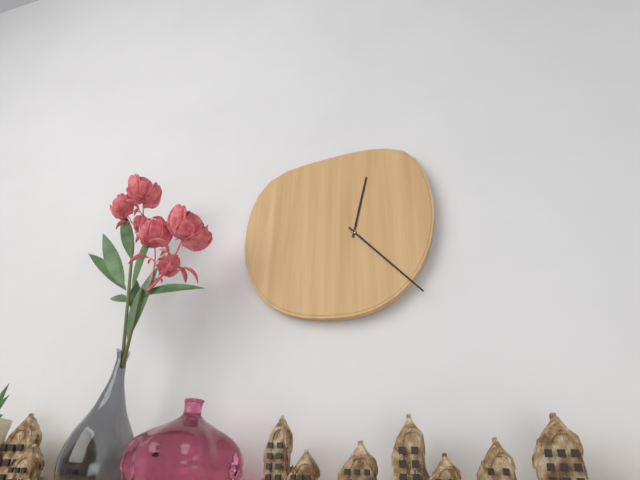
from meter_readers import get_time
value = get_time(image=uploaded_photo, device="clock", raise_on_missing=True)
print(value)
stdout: 12:23
